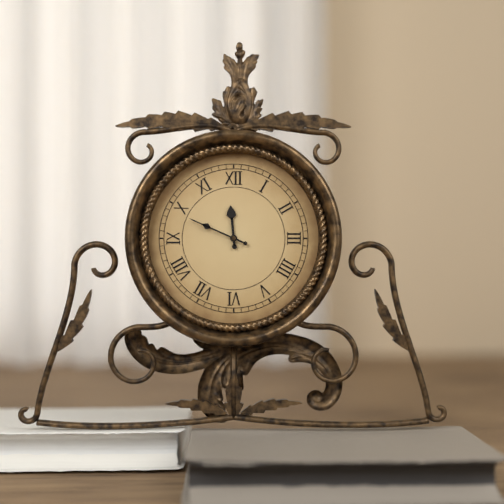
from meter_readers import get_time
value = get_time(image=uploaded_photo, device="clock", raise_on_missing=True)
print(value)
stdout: 11:49
